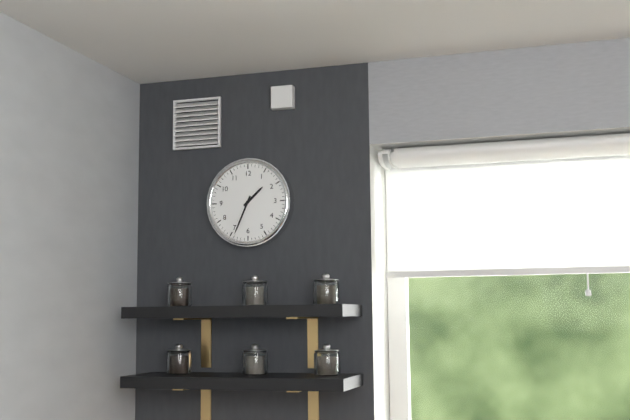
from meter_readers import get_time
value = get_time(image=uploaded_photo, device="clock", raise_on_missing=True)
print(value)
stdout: 1:34
